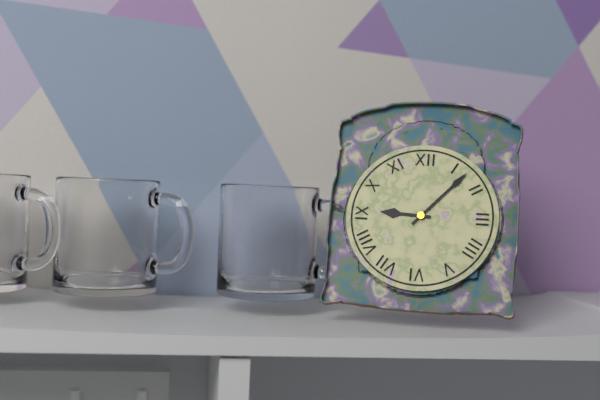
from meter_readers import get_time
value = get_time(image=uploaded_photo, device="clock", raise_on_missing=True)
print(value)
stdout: 9:07
